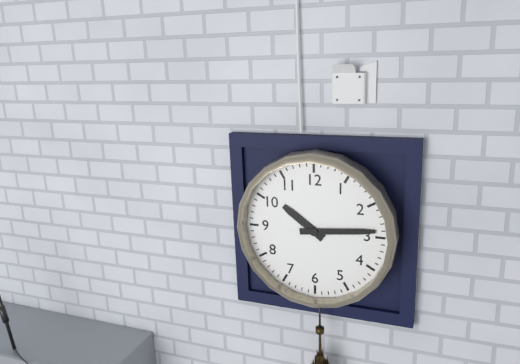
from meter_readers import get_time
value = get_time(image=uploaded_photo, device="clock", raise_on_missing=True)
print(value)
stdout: 10:14
